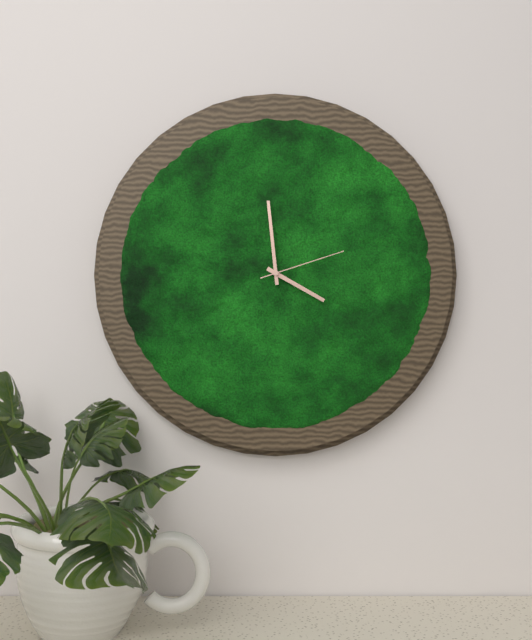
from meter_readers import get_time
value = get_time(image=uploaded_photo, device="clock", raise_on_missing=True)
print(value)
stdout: 3:59:12
